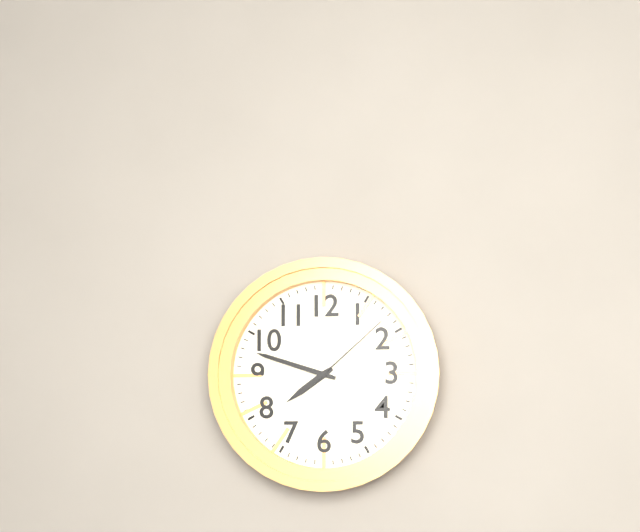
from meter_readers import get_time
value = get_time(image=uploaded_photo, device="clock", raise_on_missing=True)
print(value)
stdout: 7:48:08
